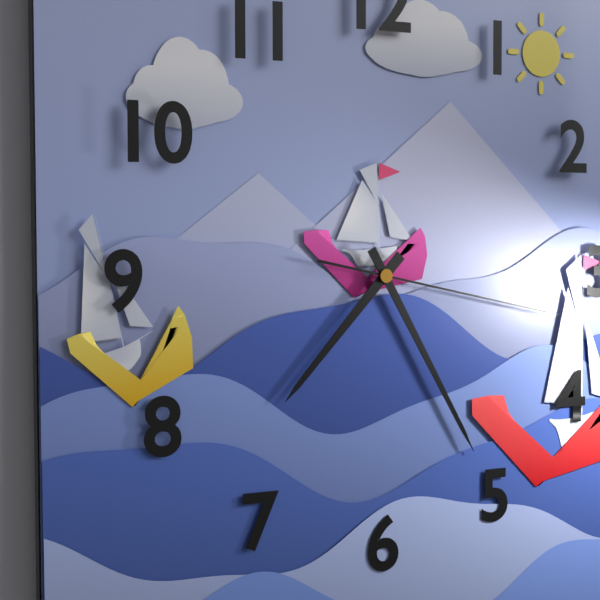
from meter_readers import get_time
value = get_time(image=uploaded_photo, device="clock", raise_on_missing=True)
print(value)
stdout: 7:25:17
